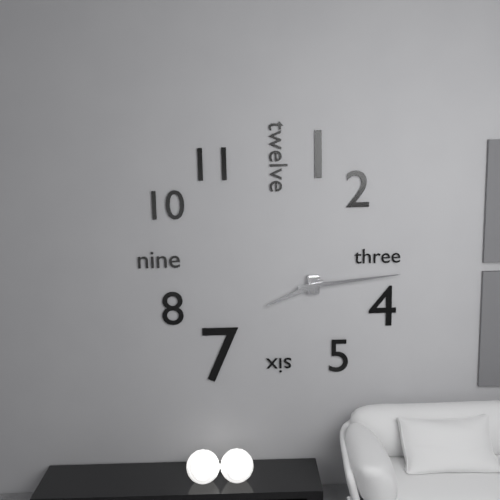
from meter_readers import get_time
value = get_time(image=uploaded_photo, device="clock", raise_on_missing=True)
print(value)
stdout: 8:14
